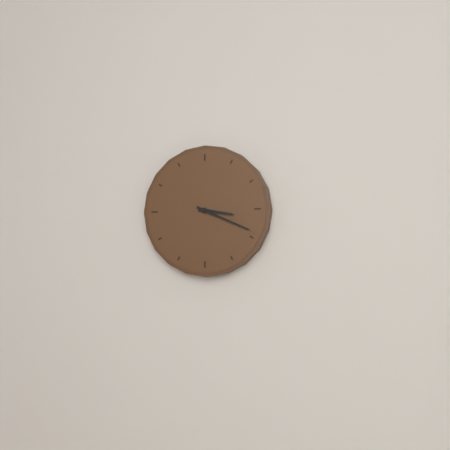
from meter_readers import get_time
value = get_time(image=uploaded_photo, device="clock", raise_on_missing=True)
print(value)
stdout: 3:19
